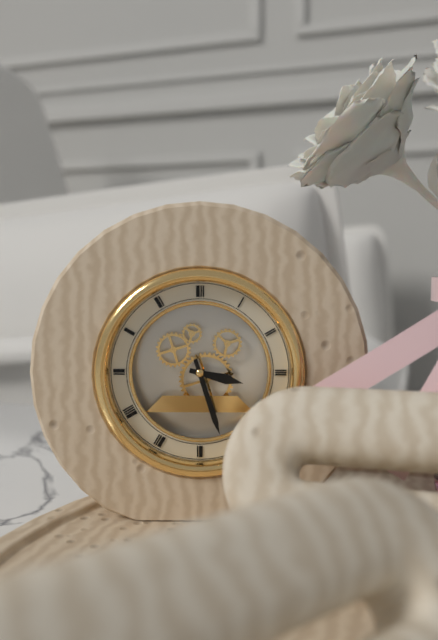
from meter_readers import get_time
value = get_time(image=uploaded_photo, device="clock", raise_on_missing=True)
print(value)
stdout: 3:27
